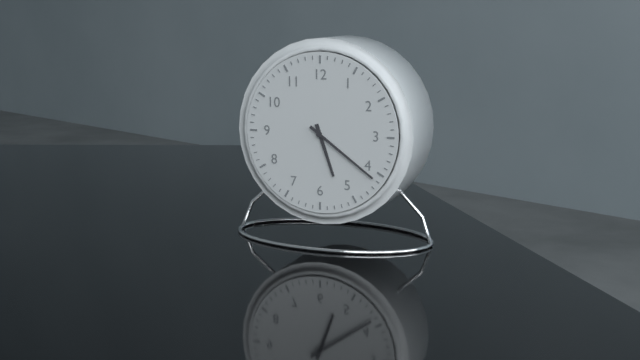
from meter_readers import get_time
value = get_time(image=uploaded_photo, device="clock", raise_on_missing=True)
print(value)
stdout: 5:21
